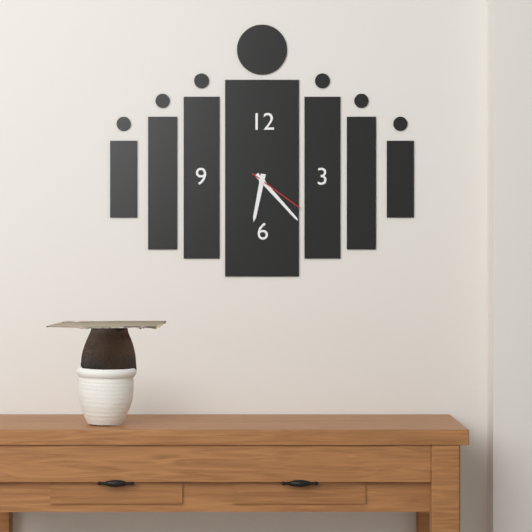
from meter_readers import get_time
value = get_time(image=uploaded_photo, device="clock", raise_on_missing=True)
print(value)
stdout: 6:23:21
